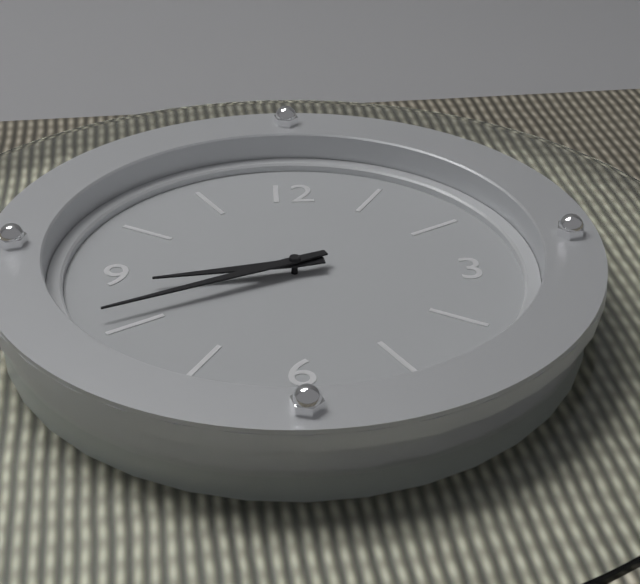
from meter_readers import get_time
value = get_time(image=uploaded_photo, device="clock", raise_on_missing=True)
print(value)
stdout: 8:41
